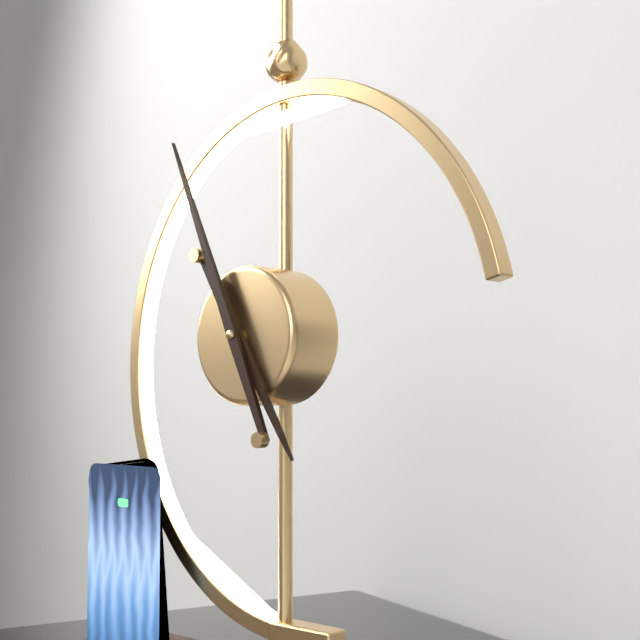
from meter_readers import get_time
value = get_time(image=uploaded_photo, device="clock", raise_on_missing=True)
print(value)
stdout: 4:56
